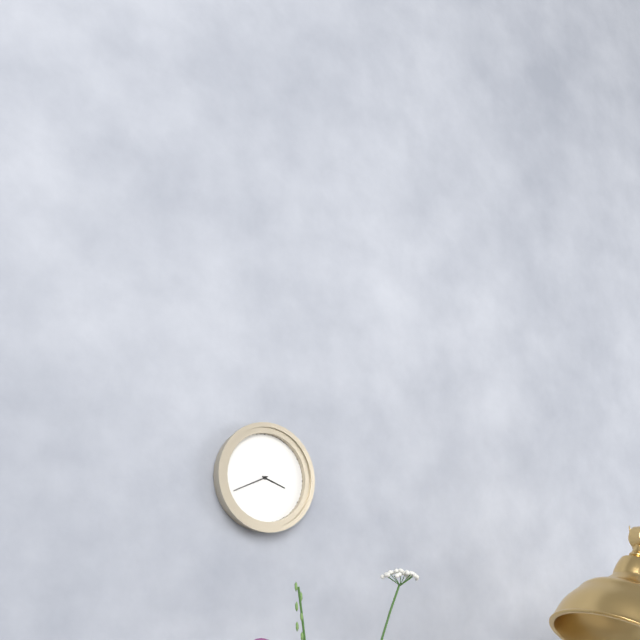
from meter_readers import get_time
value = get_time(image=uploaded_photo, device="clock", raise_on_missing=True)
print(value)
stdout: 3:41
